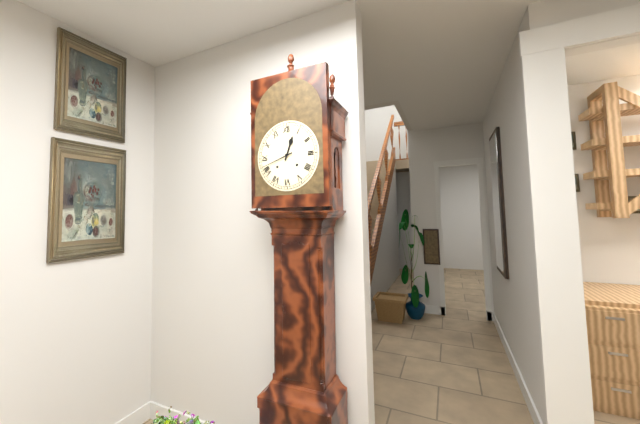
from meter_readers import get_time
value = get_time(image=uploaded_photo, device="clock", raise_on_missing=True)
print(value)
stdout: 12:42
